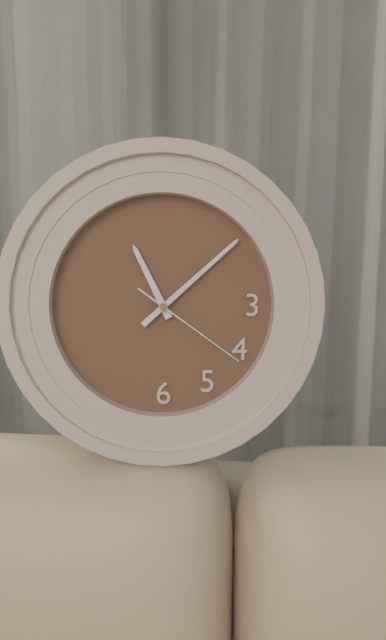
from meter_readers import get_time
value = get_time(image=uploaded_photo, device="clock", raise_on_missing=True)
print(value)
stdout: 11:08:21
